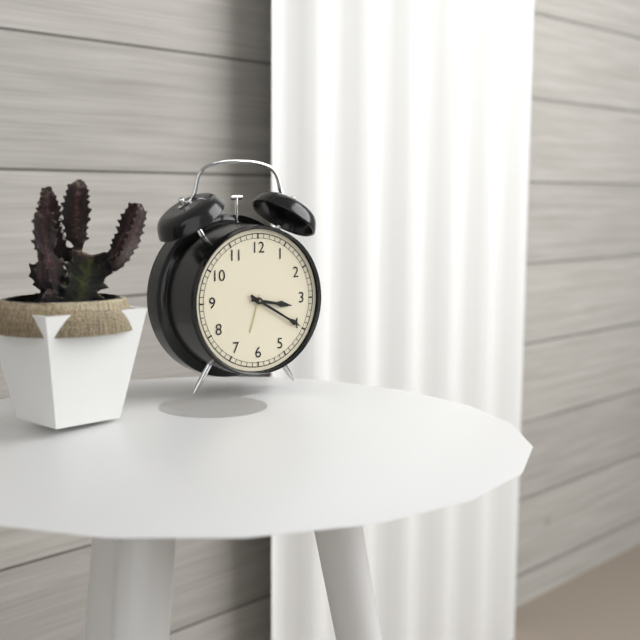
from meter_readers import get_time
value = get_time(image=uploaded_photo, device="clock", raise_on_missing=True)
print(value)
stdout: 3:20
